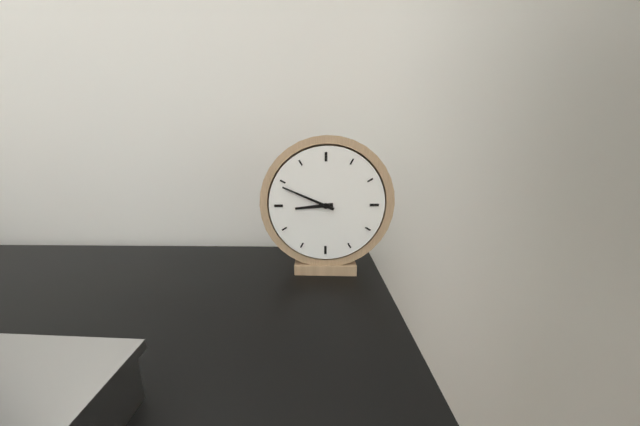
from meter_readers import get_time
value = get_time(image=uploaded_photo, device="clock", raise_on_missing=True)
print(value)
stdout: 8:49
